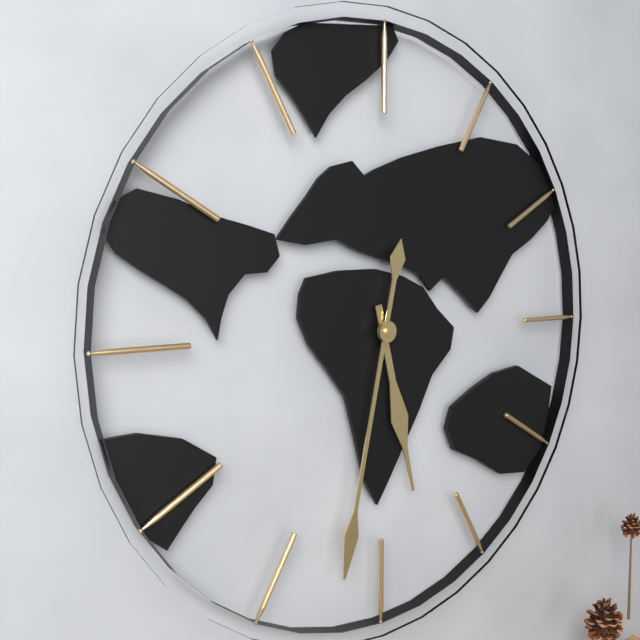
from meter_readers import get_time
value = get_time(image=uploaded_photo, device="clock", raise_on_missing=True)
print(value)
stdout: 5:32
